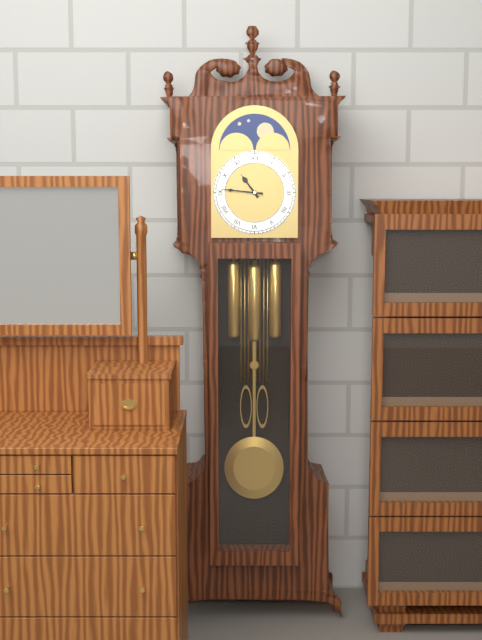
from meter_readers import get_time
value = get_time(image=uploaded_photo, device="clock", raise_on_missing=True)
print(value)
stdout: 10:46
